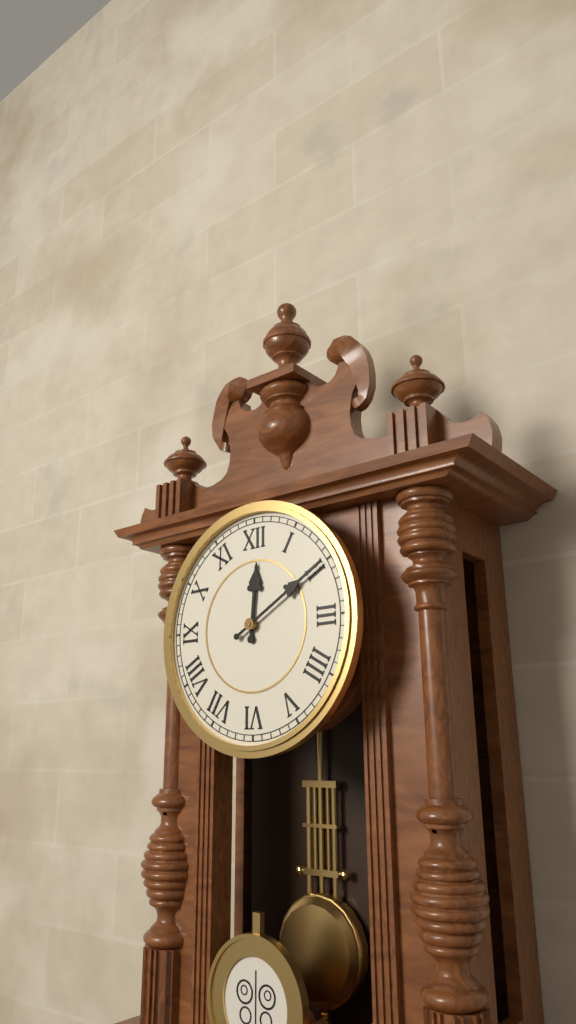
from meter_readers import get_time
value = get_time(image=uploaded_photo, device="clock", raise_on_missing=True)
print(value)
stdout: 12:10
